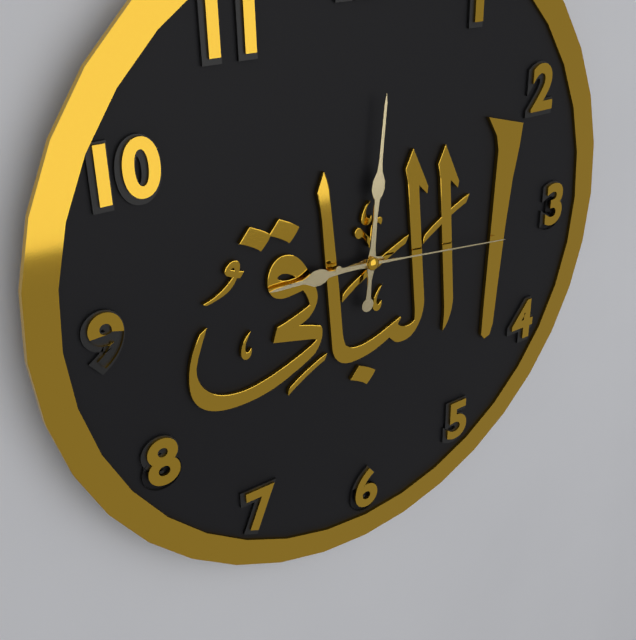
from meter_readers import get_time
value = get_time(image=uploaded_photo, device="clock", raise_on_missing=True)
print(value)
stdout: 9:01:16
